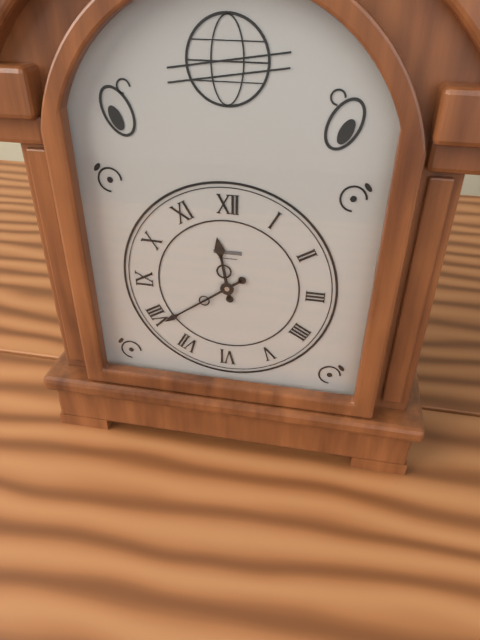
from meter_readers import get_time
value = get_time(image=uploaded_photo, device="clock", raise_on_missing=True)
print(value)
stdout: 11:39
